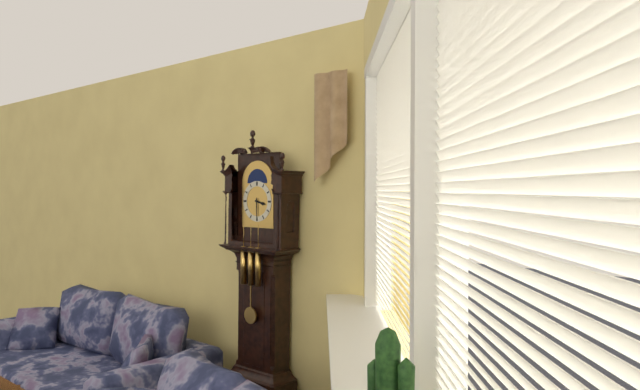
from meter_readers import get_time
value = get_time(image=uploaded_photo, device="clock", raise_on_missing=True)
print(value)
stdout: 3:30
